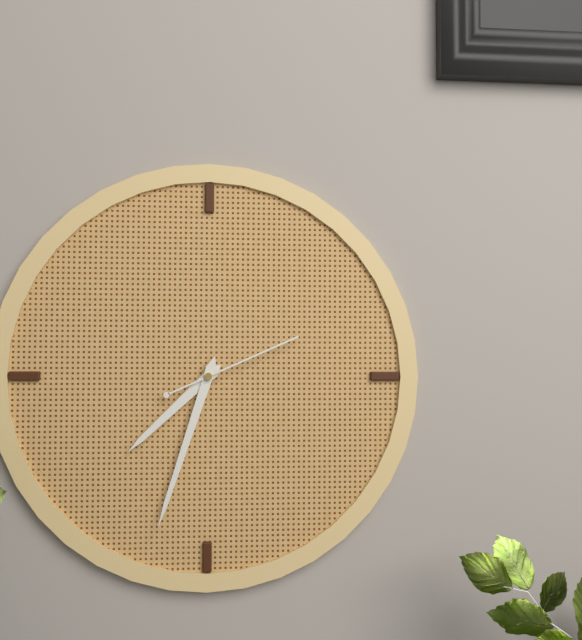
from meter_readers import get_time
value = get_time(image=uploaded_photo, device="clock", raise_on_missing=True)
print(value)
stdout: 7:33:11
